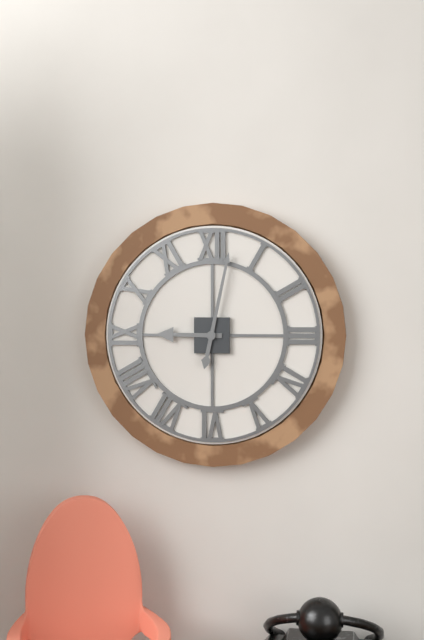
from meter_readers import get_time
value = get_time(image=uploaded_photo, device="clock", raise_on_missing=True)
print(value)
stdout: 9:02
